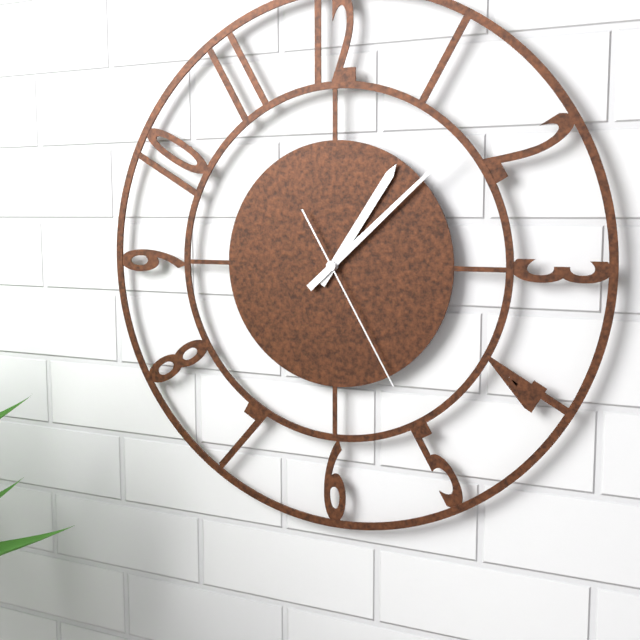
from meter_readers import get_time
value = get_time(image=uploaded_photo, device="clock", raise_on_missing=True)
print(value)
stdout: 1:08:25
